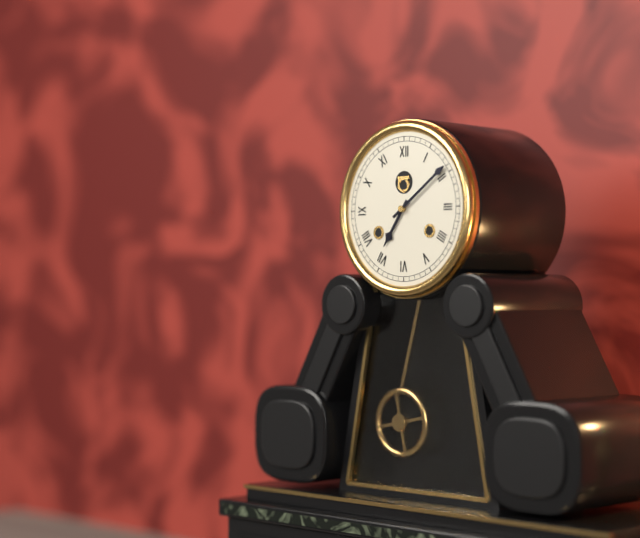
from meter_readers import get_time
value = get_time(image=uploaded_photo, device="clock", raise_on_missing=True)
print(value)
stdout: 7:09
